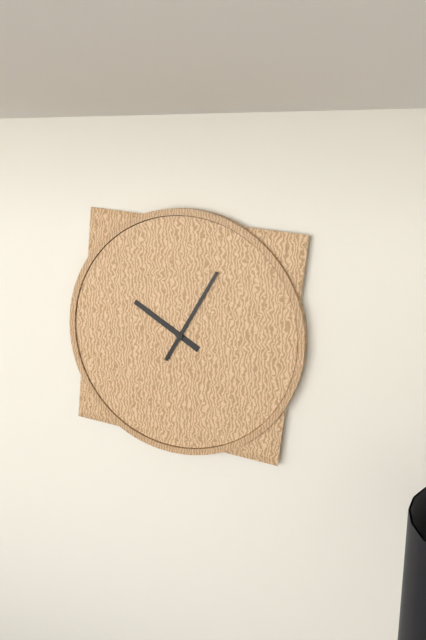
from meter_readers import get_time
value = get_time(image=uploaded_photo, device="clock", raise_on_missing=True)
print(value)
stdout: 10:05
